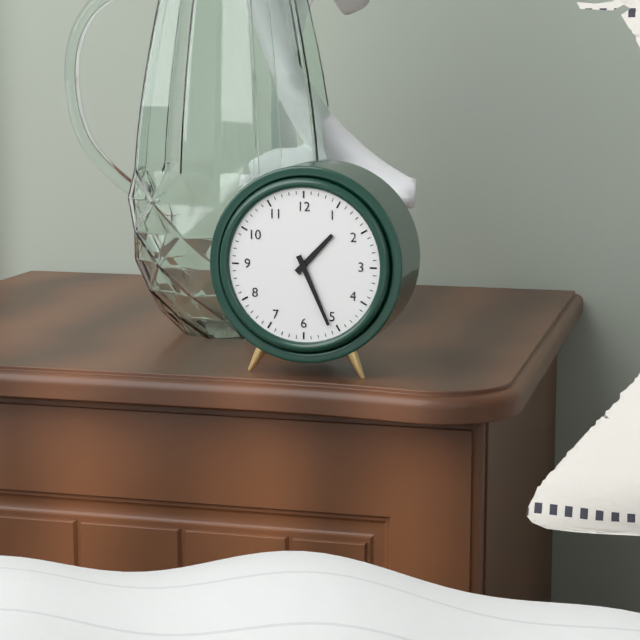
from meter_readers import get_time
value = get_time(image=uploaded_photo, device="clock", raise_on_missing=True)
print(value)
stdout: 1:26
